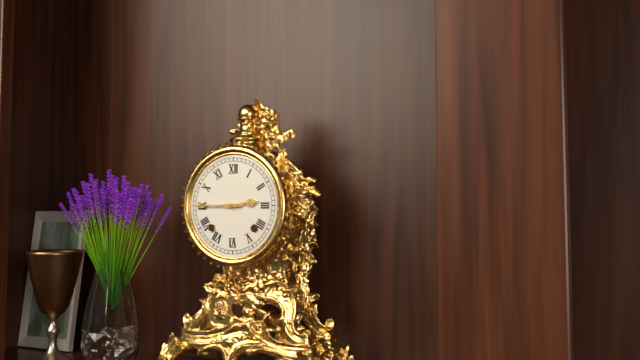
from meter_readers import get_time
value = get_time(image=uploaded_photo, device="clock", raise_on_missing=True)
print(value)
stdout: 2:45
